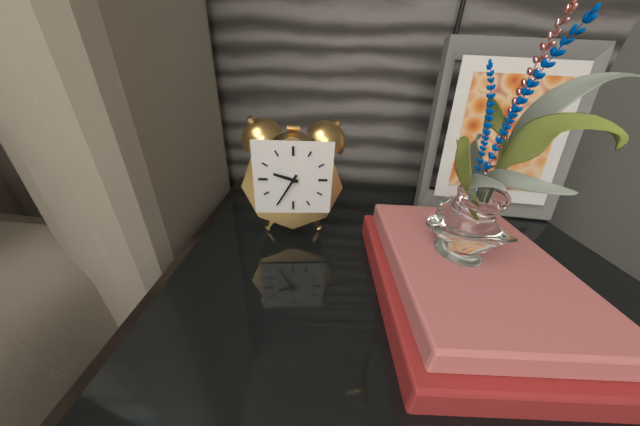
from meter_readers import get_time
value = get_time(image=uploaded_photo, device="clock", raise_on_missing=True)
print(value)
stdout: 9:35
